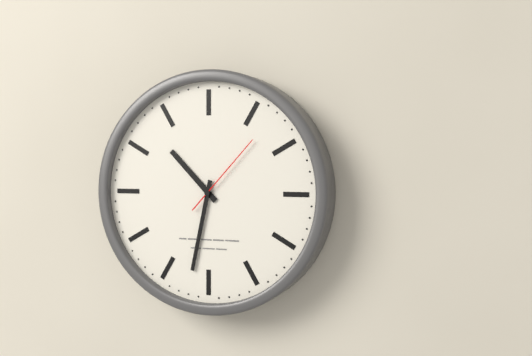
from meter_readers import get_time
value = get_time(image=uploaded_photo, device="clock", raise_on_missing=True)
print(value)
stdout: 10:32:07
